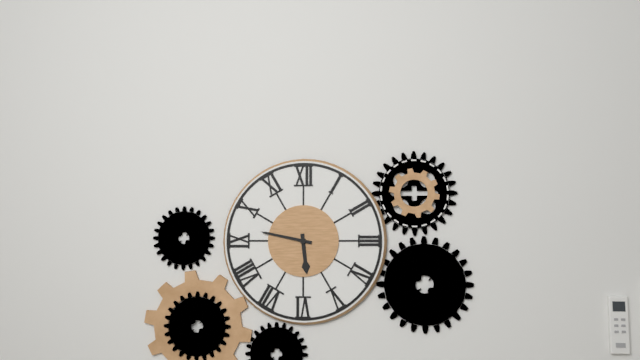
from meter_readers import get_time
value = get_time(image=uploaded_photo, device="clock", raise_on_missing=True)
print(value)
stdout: 5:47
